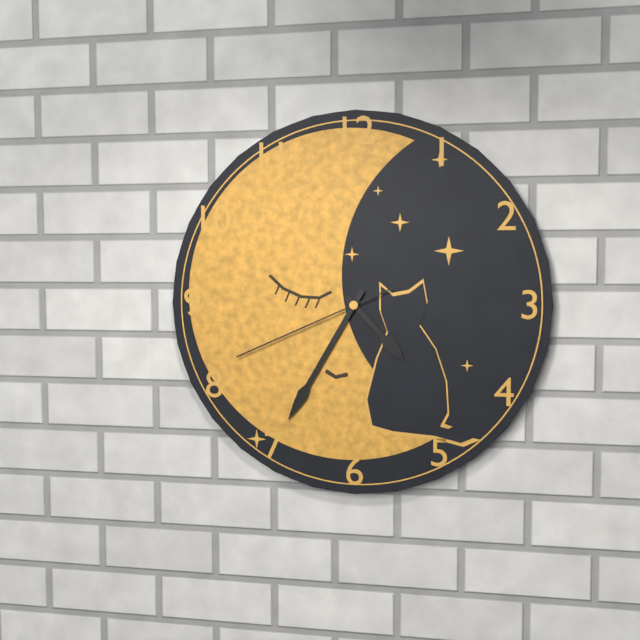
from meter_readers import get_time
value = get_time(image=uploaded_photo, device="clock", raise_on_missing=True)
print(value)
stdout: 4:35:41
